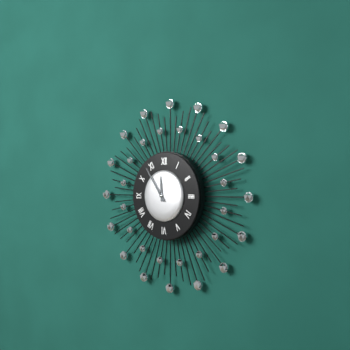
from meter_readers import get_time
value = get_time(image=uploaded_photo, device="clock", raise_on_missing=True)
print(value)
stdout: 11:54
